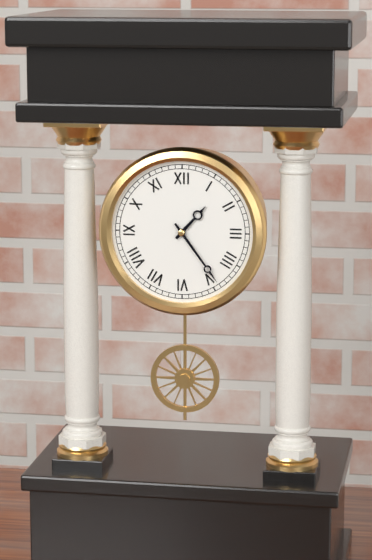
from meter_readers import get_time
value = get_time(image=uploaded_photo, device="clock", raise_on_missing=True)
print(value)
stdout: 1:24
